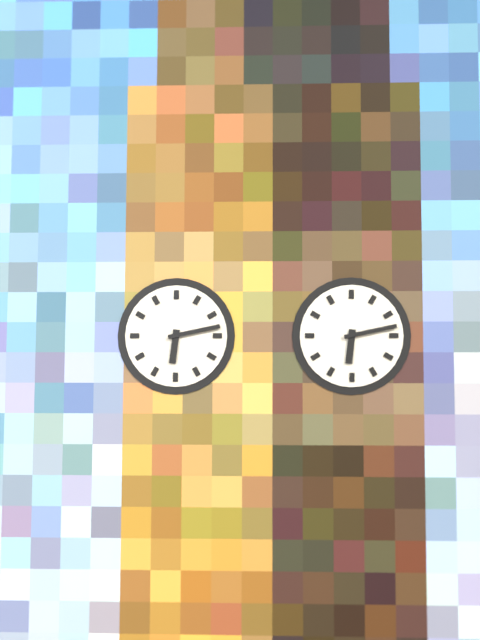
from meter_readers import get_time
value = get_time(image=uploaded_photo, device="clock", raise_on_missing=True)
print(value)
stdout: 6:13
